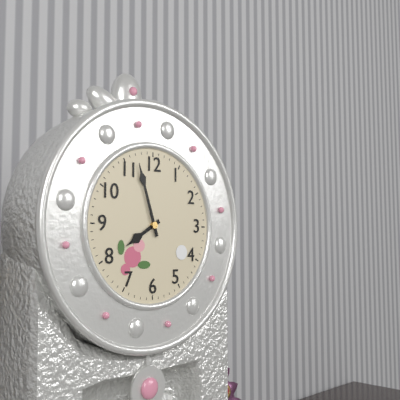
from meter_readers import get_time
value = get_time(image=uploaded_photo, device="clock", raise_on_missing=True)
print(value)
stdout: 7:57
